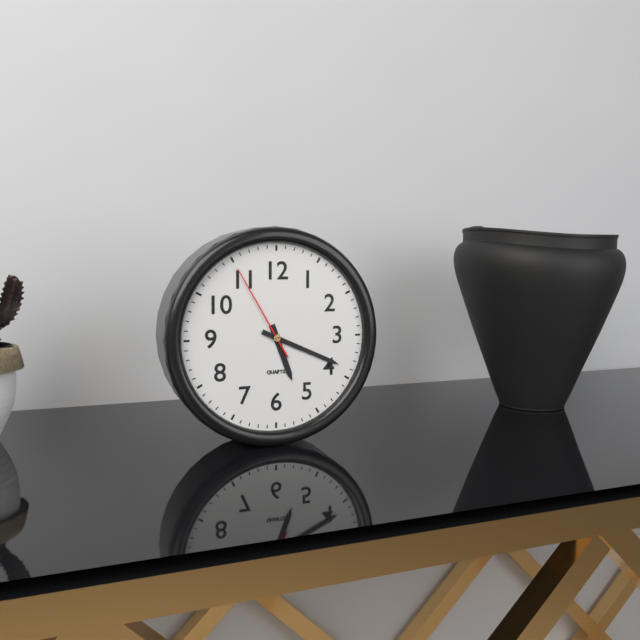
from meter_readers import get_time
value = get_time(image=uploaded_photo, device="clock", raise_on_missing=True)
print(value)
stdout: 5:19:55
